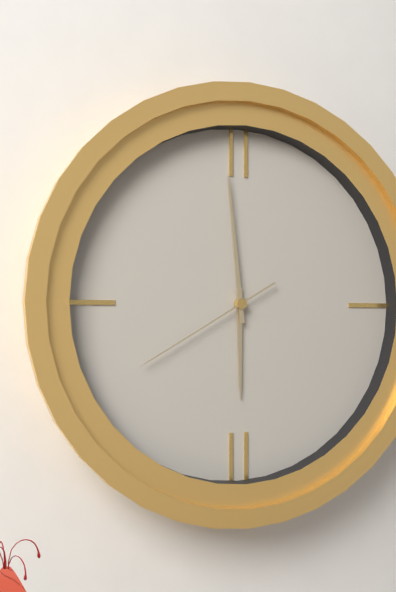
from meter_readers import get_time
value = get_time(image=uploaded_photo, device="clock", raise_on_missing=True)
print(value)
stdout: 5:59:40
